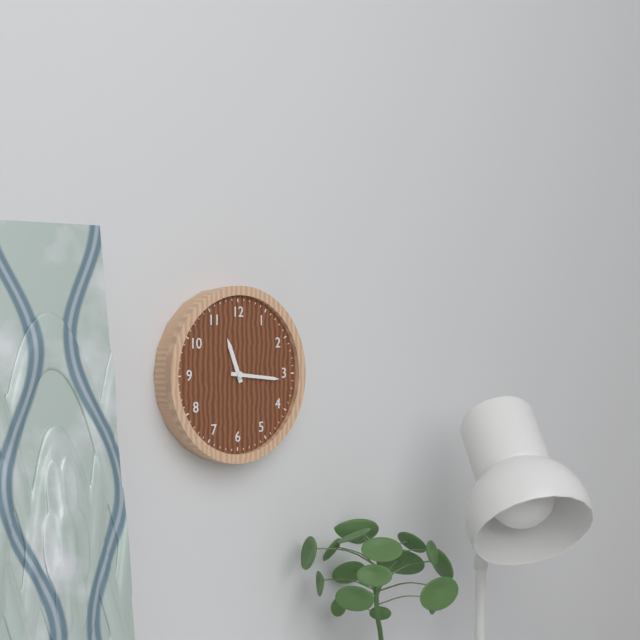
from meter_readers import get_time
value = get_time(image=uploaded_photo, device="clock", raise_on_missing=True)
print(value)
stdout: 11:16
